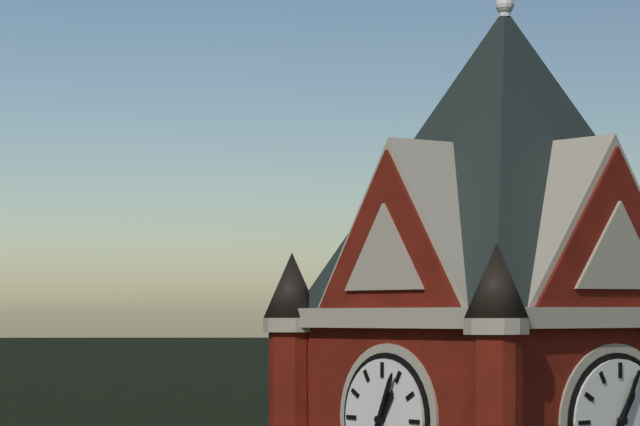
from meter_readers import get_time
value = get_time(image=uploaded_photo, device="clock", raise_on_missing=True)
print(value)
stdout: 1:04
